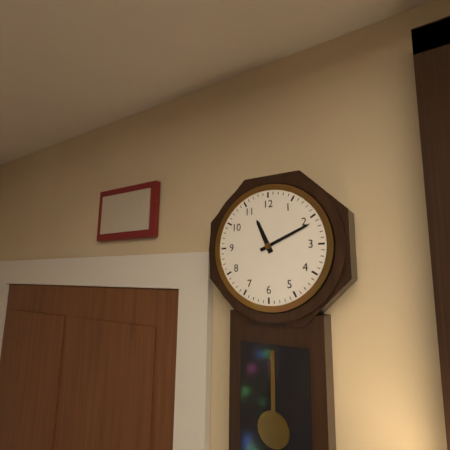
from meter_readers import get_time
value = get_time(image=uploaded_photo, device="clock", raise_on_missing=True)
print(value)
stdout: 11:11
